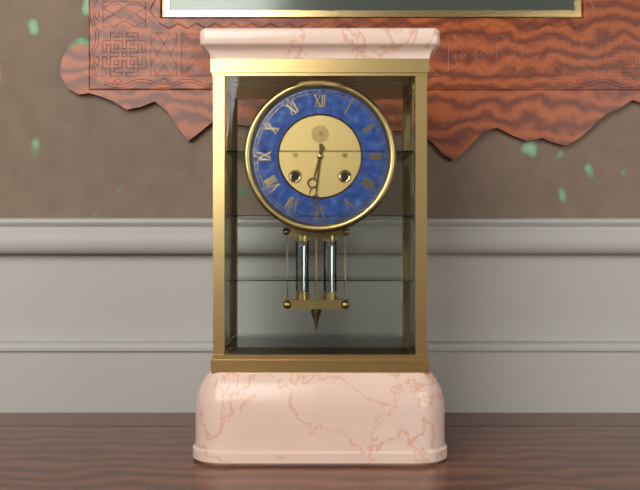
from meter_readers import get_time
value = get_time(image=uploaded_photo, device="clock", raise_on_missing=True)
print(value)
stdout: 6:31
